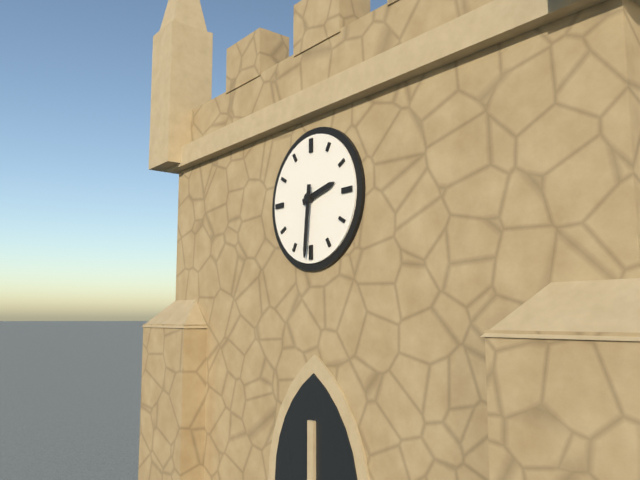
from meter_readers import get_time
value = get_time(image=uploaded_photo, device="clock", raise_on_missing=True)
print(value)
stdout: 2:31
